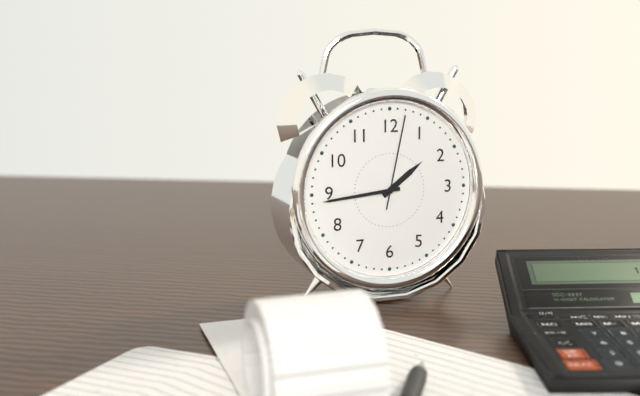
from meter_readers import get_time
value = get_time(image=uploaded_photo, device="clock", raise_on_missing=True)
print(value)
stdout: 1:44:02
